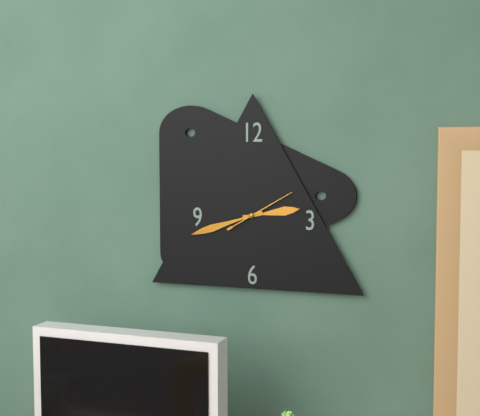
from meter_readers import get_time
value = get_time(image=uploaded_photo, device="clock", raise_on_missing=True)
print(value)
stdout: 2:42:10
